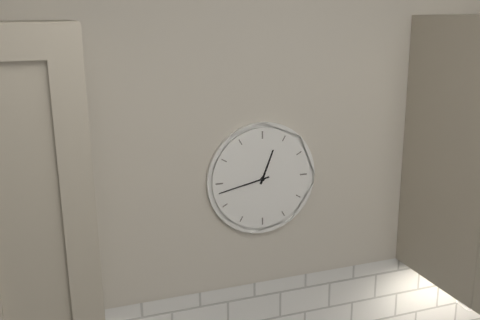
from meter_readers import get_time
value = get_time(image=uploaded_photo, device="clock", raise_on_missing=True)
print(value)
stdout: 12:43
